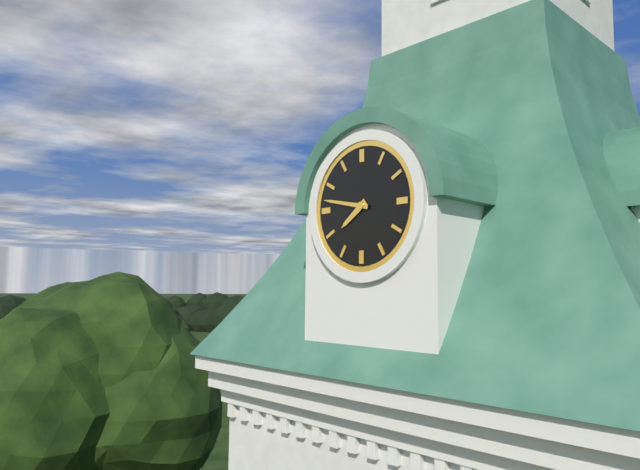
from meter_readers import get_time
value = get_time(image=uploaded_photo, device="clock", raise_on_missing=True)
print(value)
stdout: 7:47
